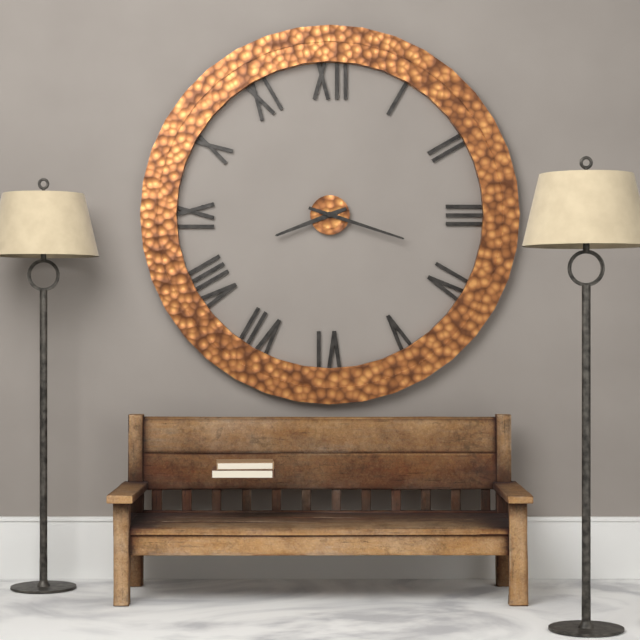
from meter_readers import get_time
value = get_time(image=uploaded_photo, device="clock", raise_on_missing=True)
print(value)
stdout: 8:18
